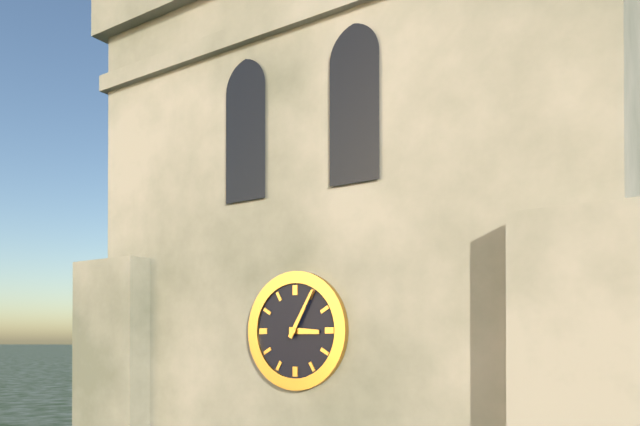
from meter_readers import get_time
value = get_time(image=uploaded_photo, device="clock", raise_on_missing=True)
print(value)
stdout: 3:05
